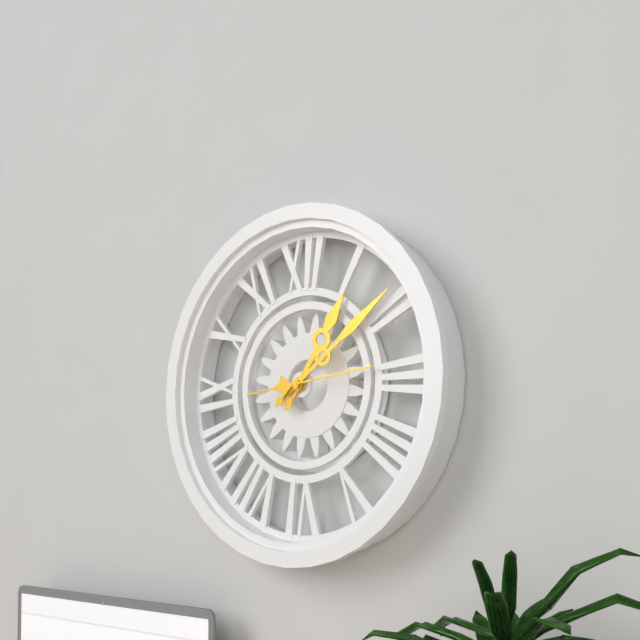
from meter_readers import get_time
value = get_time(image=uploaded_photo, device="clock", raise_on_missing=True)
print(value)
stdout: 1:09:14
